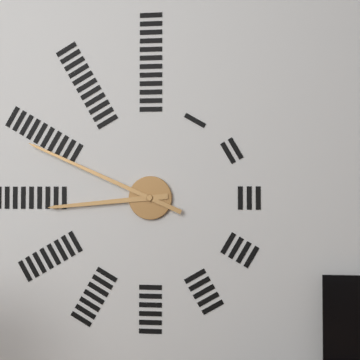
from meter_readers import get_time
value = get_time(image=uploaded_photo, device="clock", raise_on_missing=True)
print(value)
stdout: 8:49
